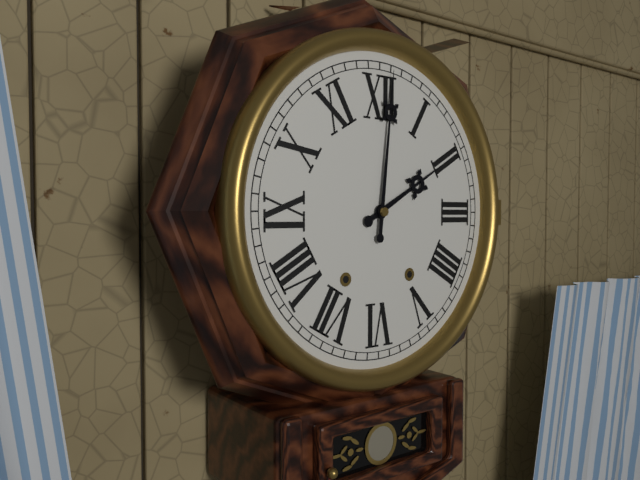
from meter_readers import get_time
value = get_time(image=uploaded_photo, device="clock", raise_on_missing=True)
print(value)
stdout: 2:01
